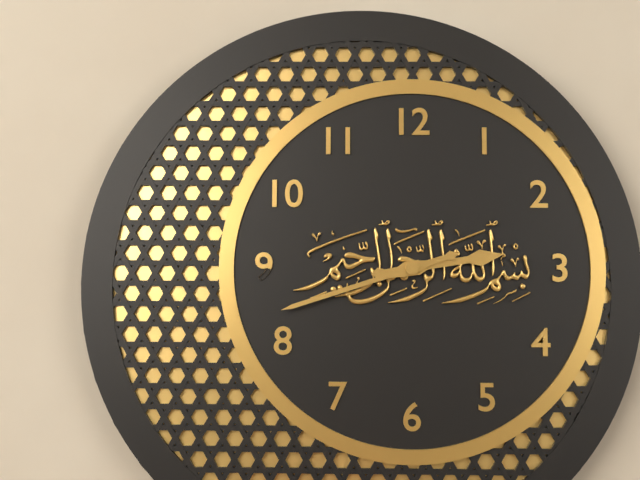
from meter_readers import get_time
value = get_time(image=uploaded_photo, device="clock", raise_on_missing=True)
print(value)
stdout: 2:42
